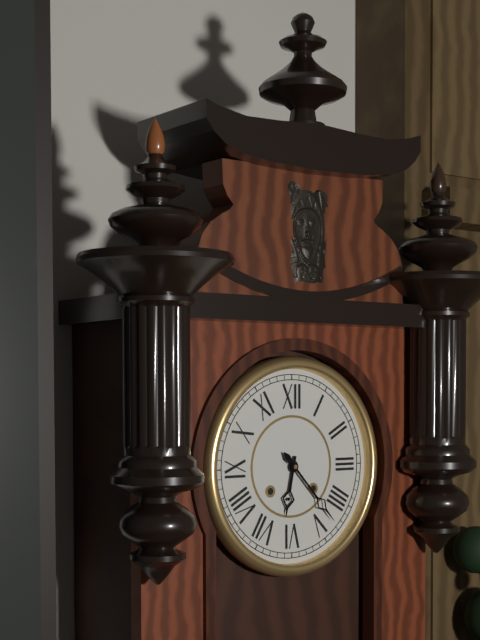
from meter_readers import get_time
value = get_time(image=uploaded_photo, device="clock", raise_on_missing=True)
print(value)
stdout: 6:23
